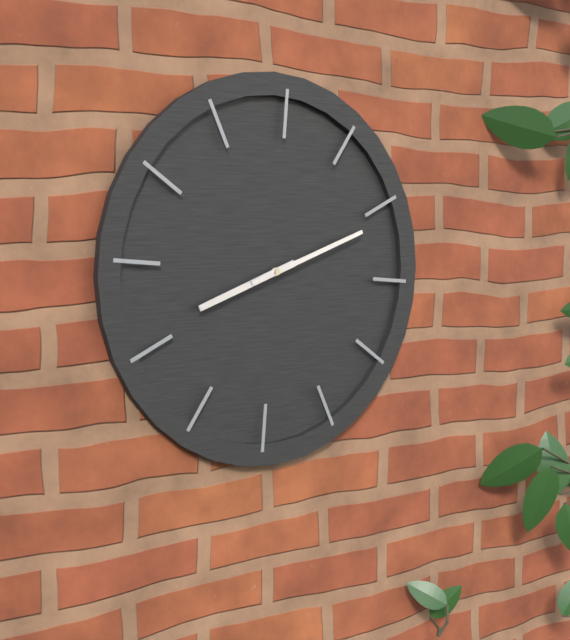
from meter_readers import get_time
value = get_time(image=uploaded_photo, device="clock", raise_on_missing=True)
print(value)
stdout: 8:11
